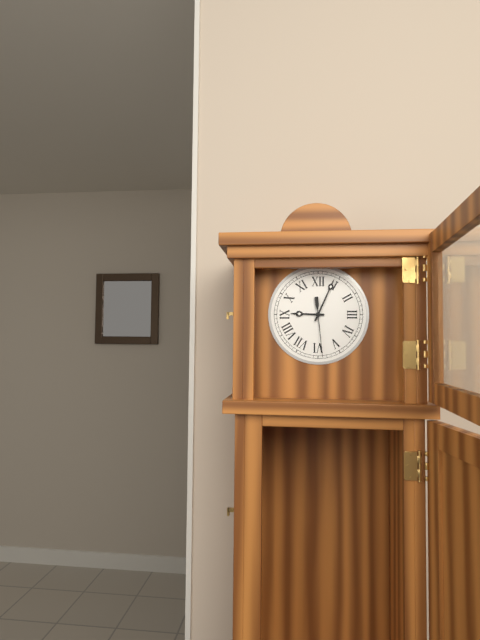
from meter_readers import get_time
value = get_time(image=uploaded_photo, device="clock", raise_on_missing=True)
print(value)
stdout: 9:04:29
